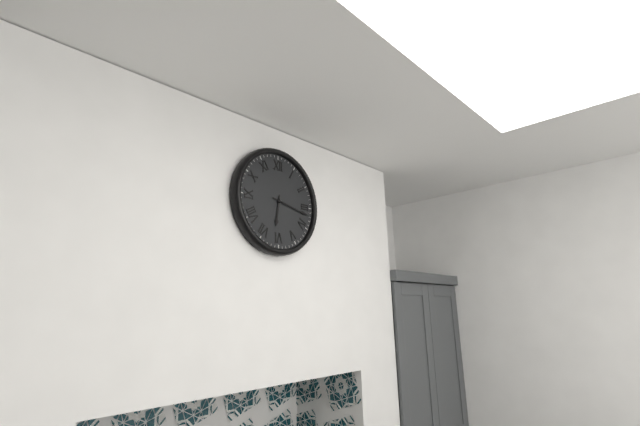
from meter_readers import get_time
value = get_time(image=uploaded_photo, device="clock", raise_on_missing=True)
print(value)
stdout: 6:17
